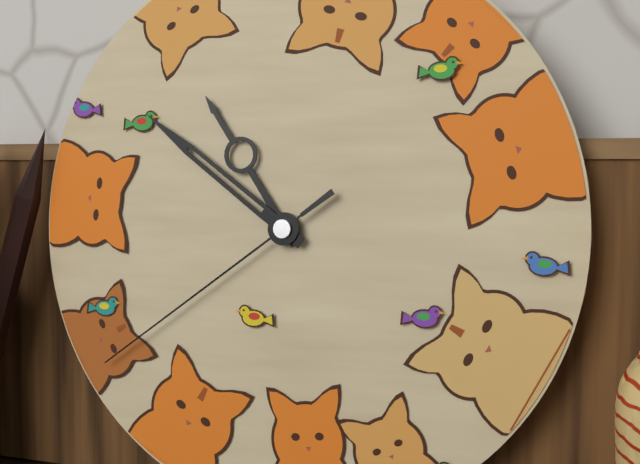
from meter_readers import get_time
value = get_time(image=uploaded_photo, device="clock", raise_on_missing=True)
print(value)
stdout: 10:51:39
